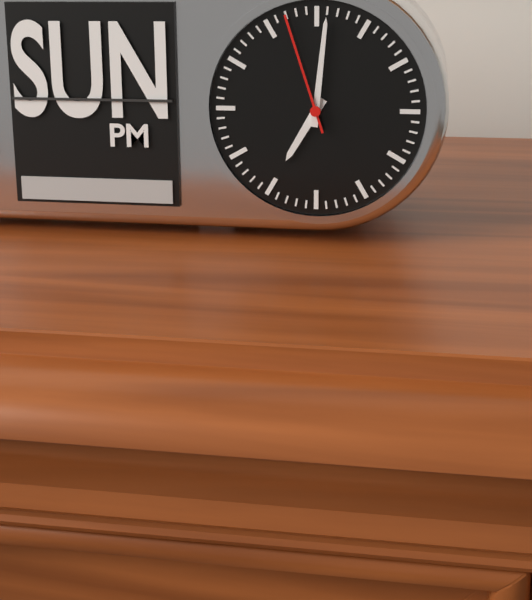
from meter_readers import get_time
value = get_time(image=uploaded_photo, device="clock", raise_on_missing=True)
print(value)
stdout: 7:01:57
